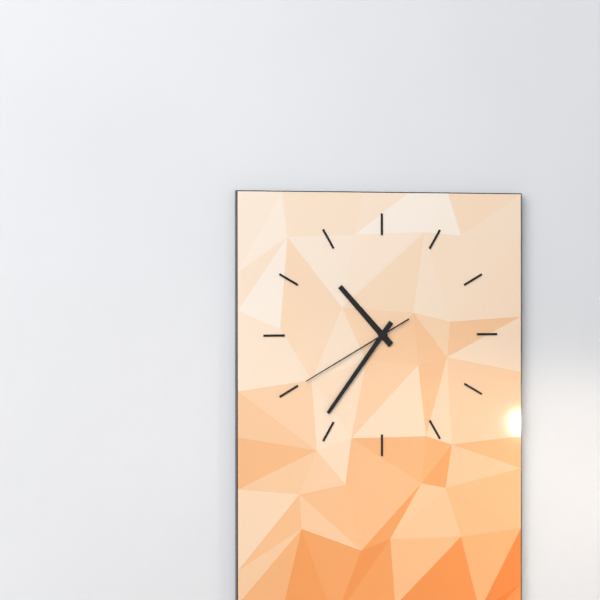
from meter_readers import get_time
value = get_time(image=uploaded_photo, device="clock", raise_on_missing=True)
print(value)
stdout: 10:36:40
